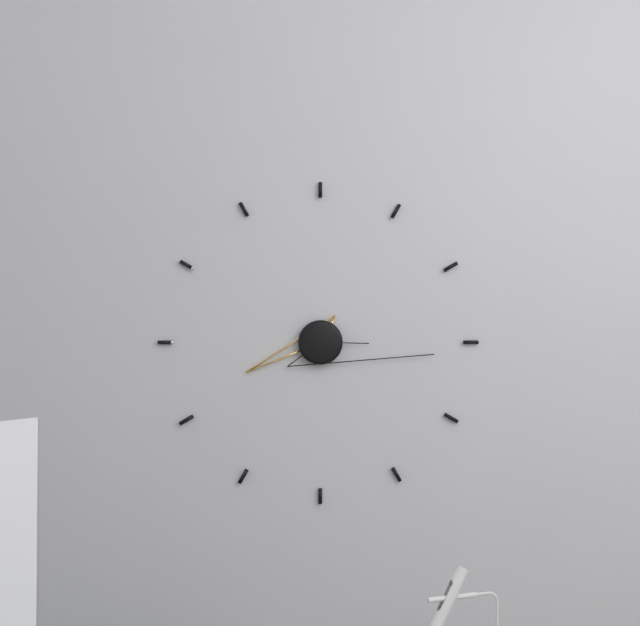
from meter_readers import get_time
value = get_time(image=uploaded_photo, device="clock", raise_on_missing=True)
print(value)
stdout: 8:16
